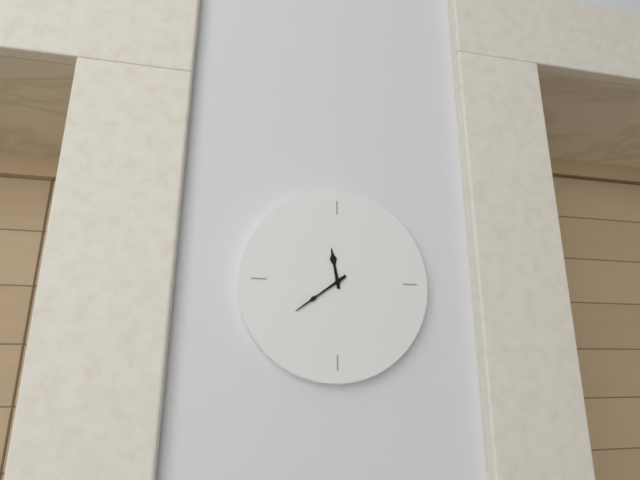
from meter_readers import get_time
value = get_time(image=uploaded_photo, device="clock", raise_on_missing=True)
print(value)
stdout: 11:39
